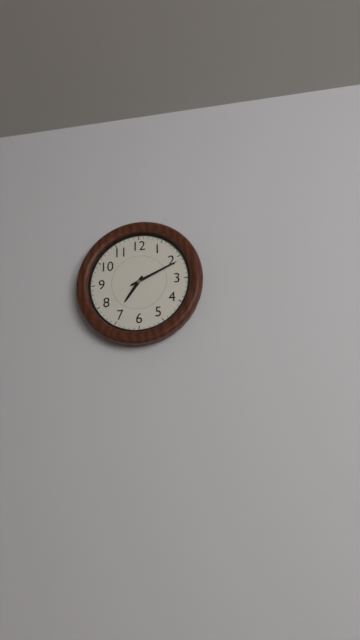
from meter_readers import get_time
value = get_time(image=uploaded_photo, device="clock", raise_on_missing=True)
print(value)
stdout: 7:11
